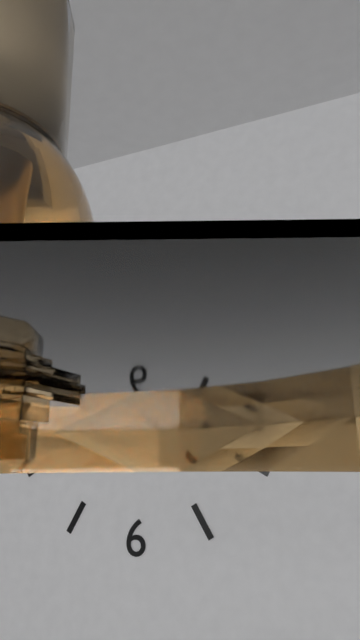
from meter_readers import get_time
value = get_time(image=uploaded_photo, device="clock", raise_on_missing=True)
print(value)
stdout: 10:50
